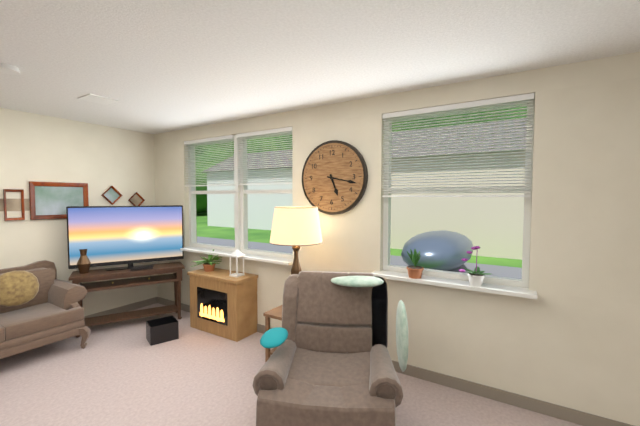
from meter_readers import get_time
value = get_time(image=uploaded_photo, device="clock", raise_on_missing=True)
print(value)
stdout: 5:17
